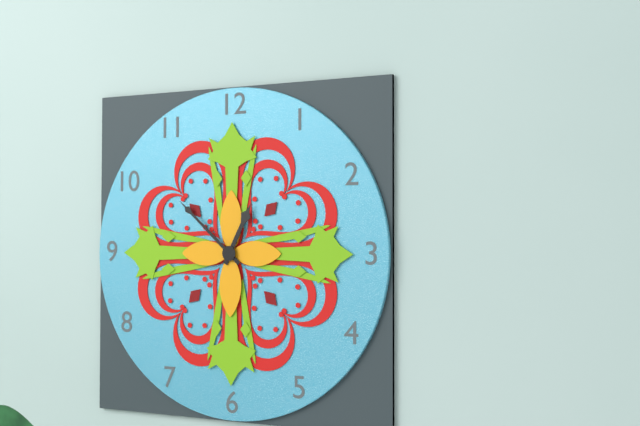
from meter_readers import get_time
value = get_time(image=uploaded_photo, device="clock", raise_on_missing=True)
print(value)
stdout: 12:52
